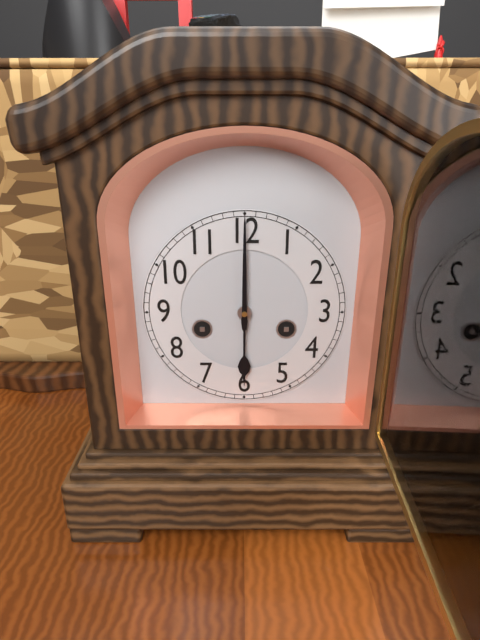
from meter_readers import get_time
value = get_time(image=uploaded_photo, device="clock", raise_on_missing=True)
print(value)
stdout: 6:00
